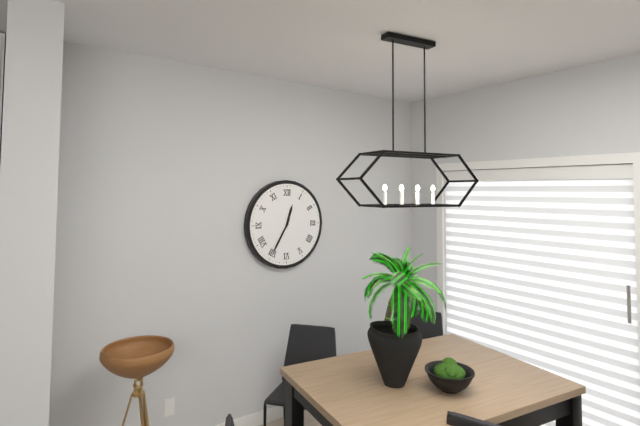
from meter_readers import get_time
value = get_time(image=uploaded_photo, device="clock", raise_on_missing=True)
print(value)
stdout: 12:35
